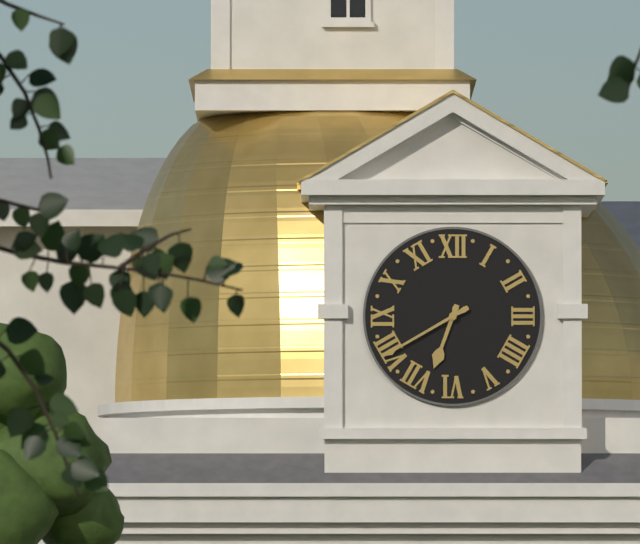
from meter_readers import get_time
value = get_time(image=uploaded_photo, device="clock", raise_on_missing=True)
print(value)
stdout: 6:40
